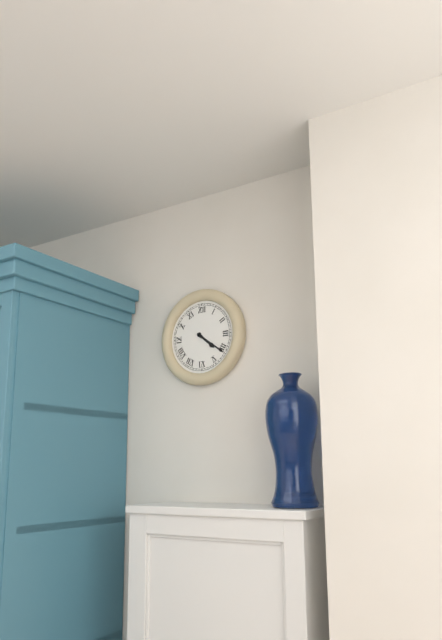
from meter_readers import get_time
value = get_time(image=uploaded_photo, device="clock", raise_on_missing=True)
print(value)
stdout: 4:21
